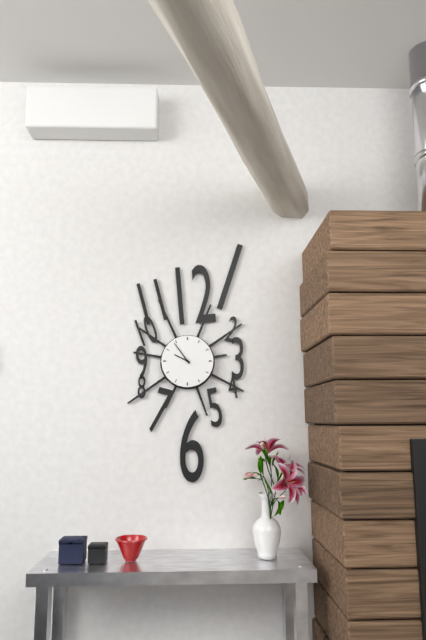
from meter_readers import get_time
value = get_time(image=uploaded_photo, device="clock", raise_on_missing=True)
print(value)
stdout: 9:54
